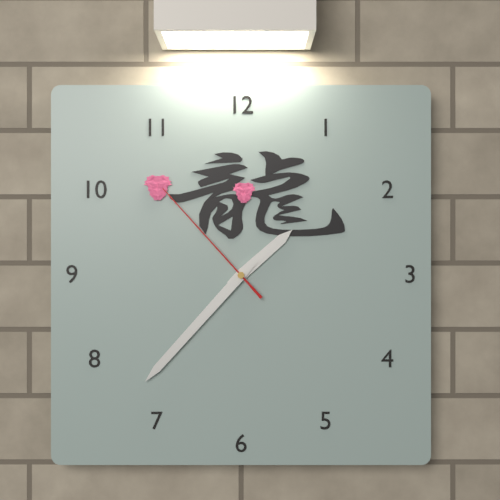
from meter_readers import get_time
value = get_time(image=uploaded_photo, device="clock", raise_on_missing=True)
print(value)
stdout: 1:37:53
